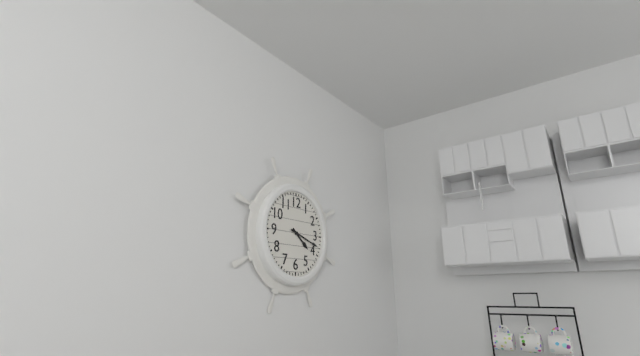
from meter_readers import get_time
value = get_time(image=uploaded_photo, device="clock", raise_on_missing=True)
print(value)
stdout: 4:18
